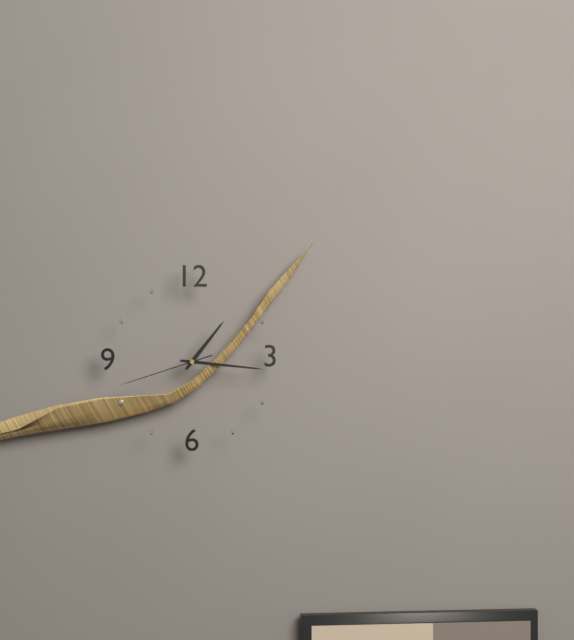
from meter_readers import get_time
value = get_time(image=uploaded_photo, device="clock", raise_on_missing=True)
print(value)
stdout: 1:16:42
